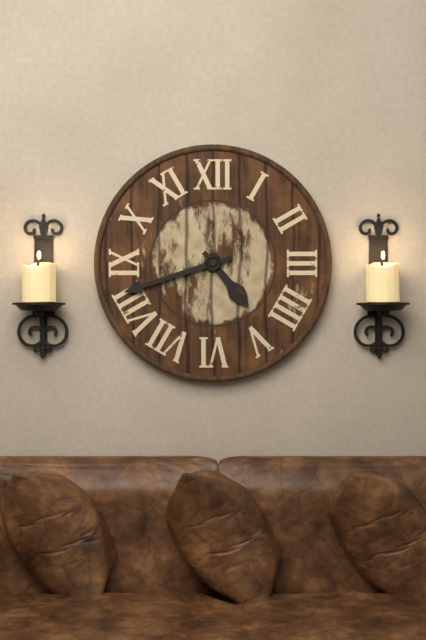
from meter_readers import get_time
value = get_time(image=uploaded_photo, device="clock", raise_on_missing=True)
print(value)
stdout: 4:42
